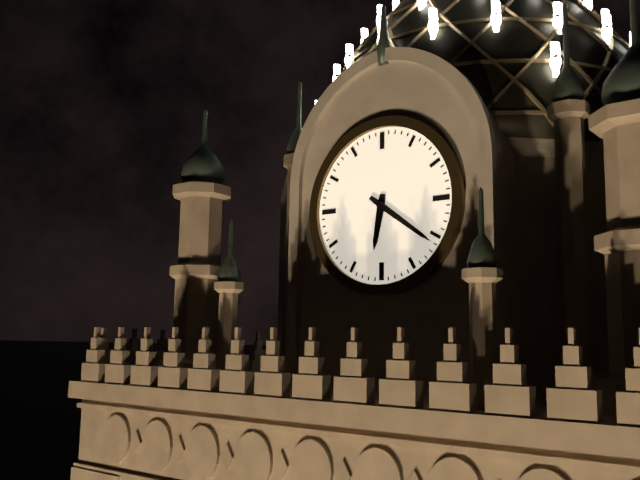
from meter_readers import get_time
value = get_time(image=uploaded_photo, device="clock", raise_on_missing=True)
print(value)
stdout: 6:21
